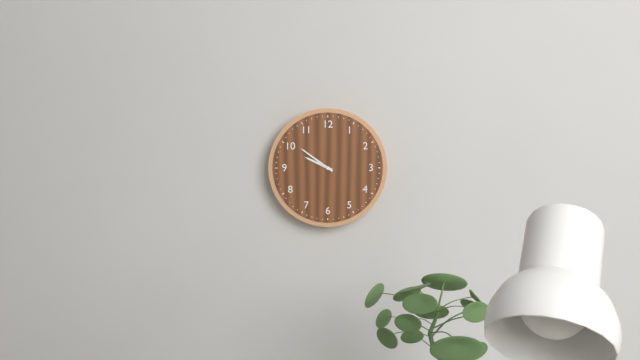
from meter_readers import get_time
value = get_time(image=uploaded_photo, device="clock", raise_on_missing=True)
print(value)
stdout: 9:51
